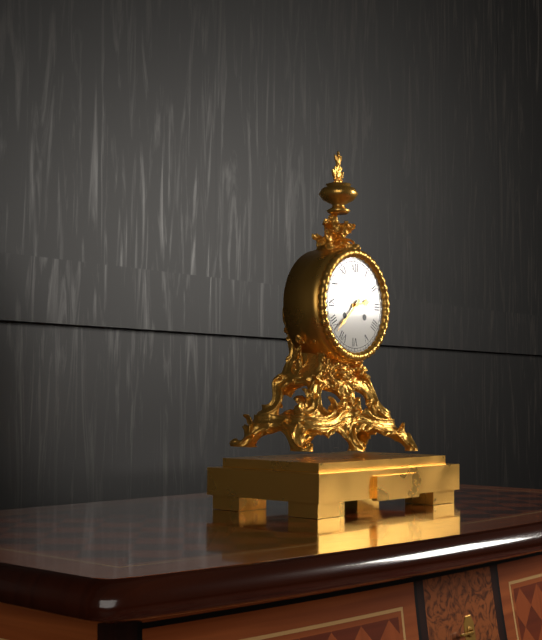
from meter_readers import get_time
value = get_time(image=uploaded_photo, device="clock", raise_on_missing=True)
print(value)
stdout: 2:38
